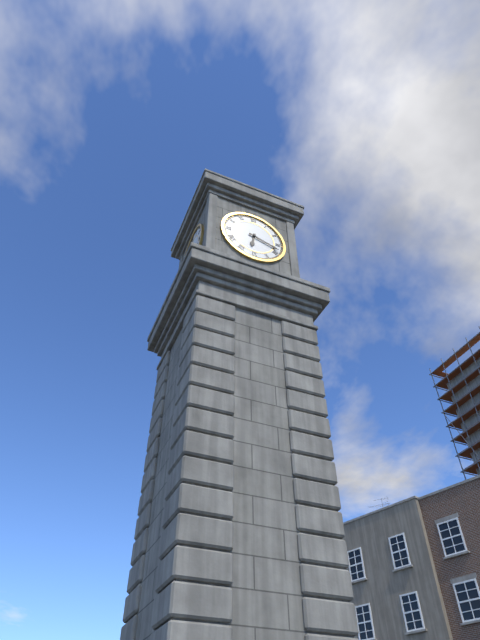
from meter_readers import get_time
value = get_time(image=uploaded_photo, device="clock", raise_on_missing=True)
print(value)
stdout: 6:18
